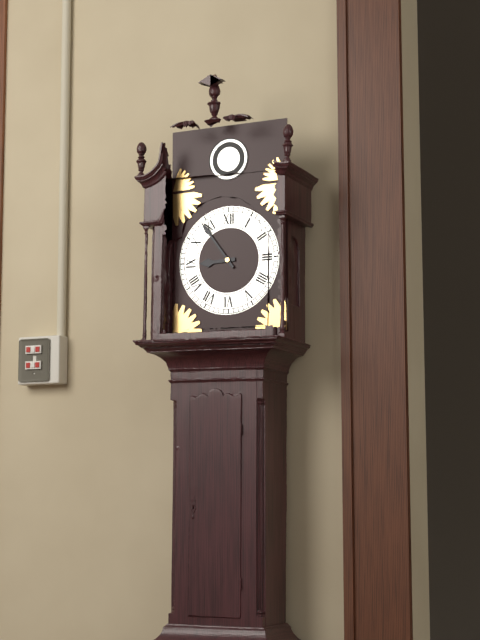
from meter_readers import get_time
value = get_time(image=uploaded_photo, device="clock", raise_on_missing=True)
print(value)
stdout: 8:54
